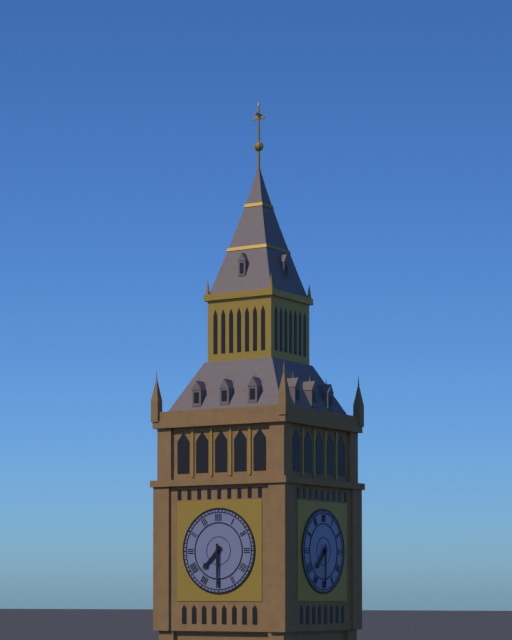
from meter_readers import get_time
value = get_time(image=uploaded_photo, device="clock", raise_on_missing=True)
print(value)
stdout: 7:30
